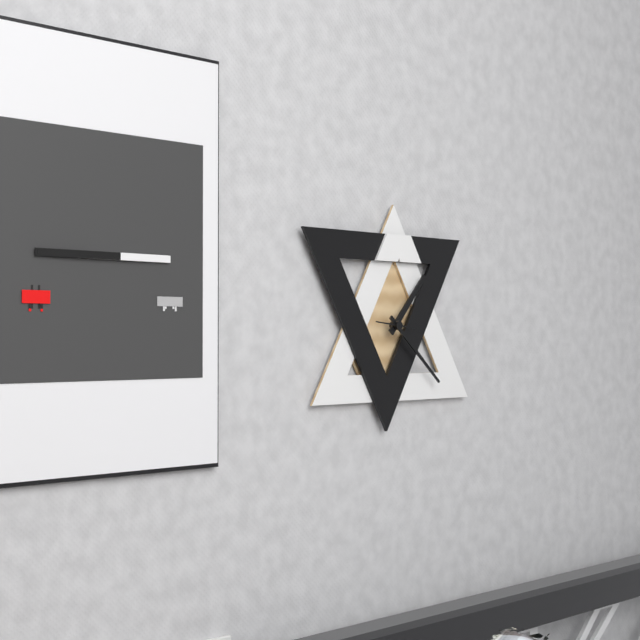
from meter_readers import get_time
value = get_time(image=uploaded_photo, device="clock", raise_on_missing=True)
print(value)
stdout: 1:22
